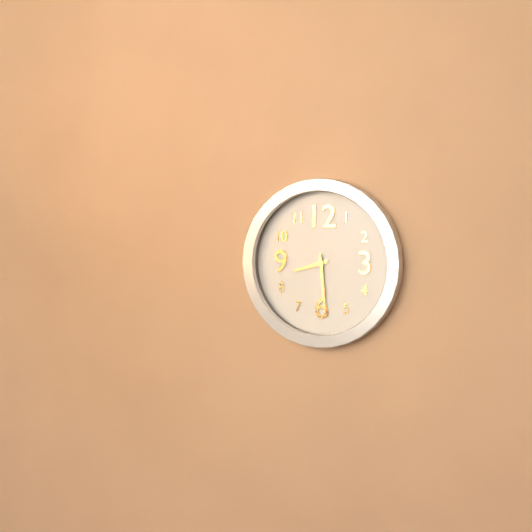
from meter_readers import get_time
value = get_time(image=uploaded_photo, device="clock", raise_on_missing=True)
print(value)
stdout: 8:29
